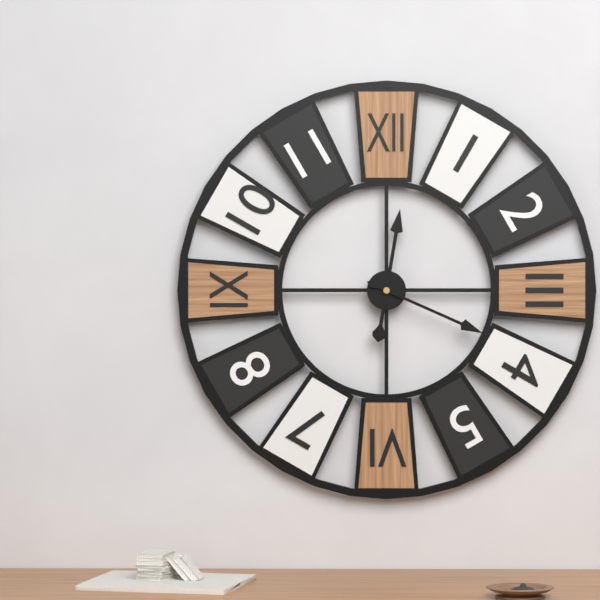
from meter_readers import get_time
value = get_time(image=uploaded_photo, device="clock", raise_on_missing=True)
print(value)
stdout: 12:19
